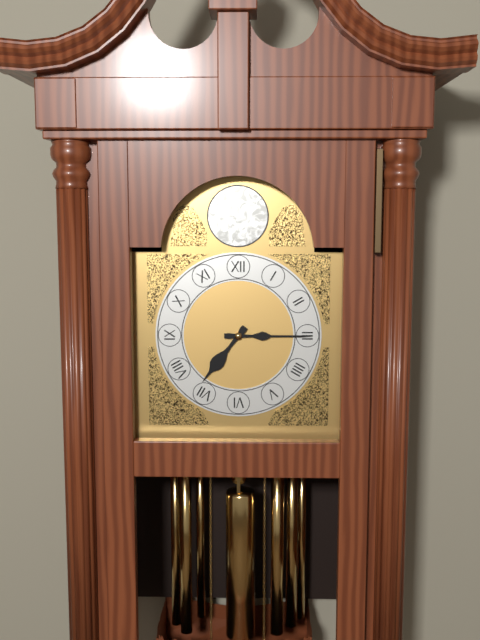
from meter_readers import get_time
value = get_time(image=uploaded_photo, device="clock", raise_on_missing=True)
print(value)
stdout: 7:15
